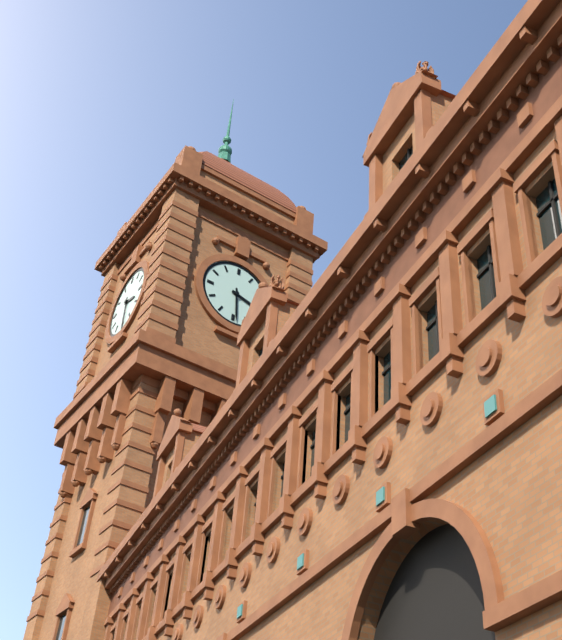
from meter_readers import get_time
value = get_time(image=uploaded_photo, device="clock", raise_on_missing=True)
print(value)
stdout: 3:29
